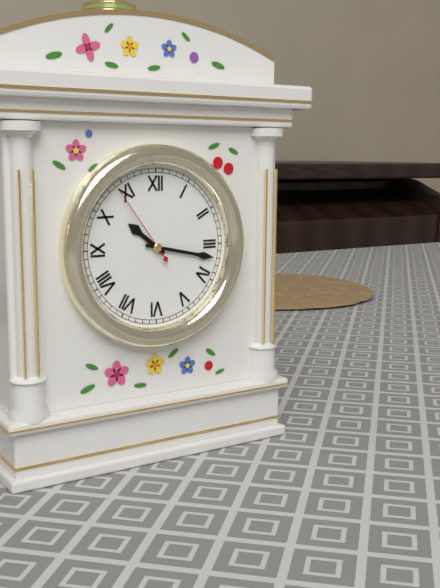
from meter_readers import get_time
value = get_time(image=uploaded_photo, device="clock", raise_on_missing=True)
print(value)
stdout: 10:17:54
